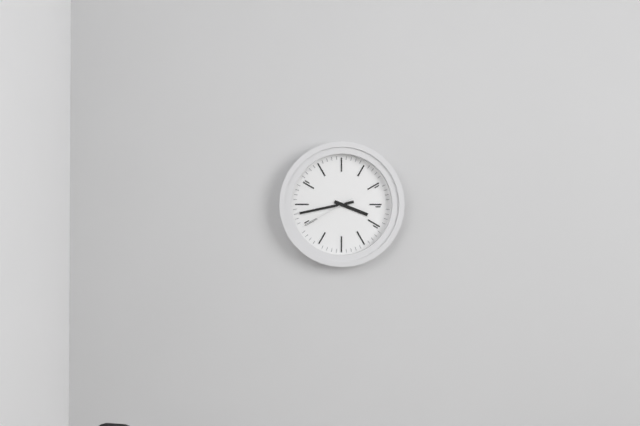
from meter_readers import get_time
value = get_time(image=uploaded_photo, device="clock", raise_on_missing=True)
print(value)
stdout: 3:43:40
